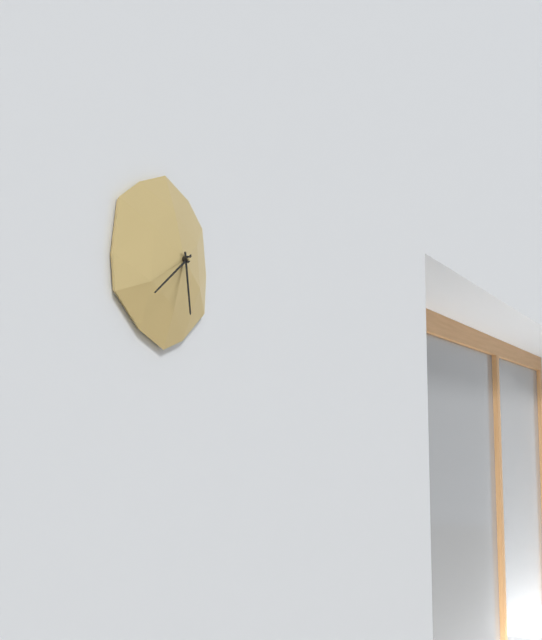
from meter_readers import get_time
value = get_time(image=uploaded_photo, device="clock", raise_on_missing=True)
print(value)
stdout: 5:39
